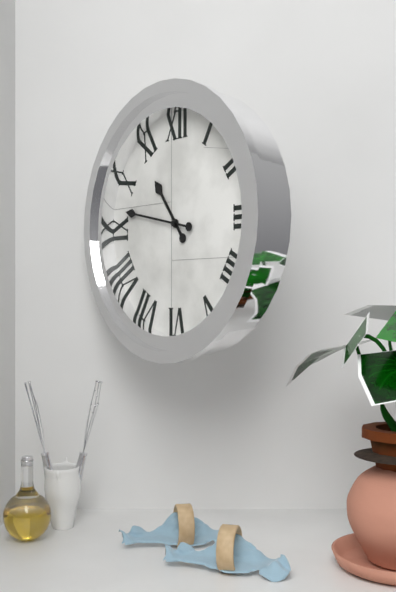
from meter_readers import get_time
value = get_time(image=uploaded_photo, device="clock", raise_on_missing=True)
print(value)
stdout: 10:47
